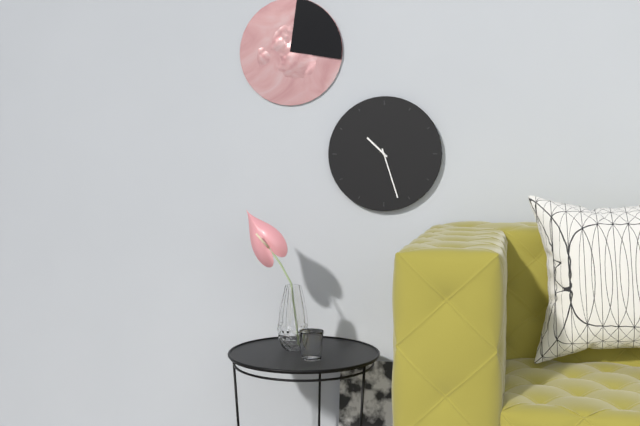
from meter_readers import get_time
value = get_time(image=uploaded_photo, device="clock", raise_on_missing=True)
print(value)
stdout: 10:27
